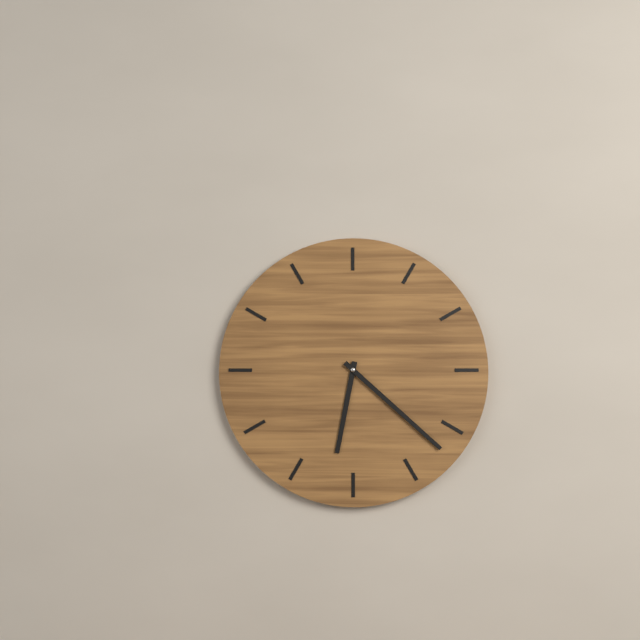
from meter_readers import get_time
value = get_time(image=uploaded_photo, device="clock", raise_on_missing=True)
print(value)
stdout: 6:22
